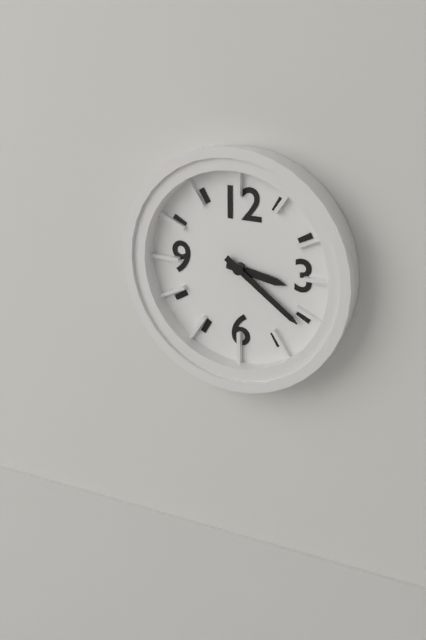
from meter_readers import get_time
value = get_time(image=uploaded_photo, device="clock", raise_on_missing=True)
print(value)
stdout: 3:21
